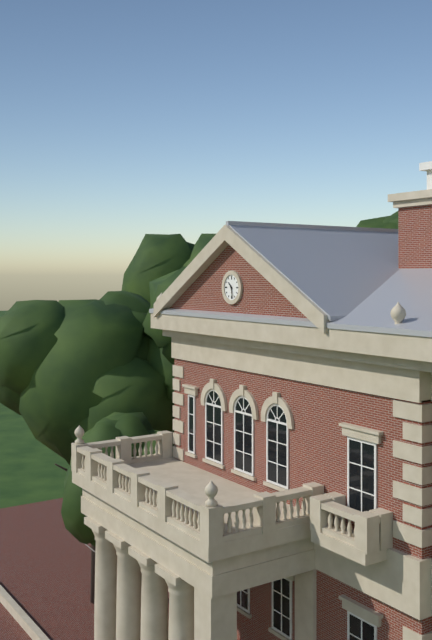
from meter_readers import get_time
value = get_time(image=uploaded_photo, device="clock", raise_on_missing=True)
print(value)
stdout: 10:28
